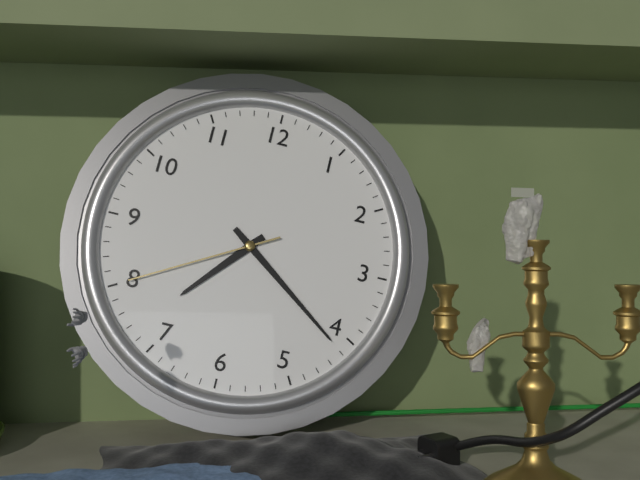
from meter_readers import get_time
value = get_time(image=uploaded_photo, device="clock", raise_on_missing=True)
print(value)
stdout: 7:21:40
